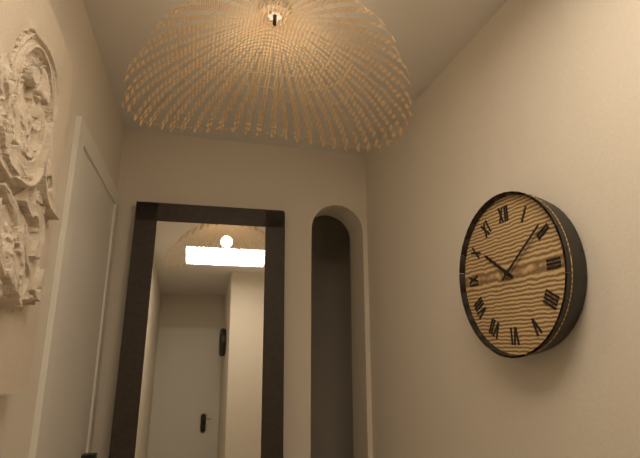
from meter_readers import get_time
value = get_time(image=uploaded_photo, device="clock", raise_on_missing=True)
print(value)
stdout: 10:09
